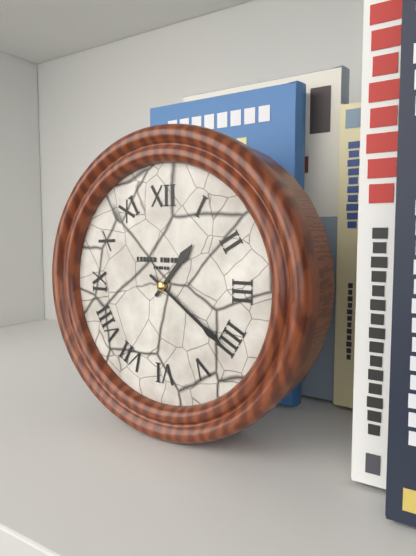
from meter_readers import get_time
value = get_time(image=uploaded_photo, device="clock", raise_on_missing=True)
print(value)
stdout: 1:21
